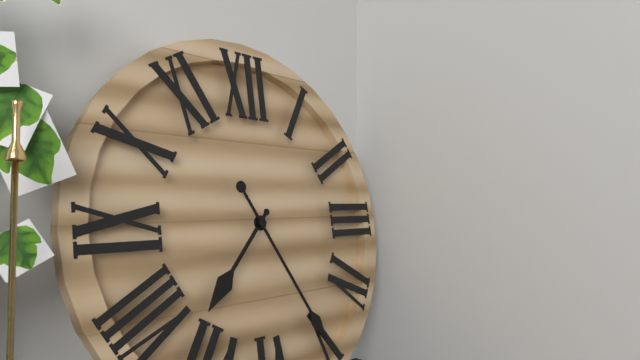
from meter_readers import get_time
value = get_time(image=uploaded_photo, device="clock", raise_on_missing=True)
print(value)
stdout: 7:25
